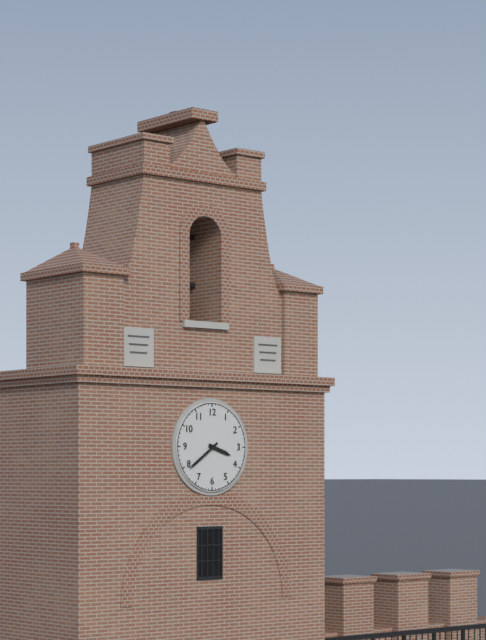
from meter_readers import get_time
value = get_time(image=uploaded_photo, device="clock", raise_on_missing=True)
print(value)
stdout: 3:39
